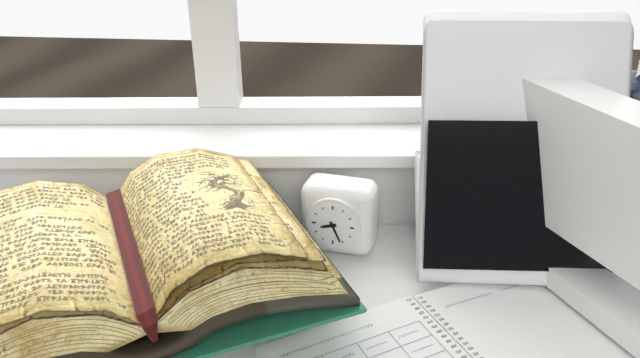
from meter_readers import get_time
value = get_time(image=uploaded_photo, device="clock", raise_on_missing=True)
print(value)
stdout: 8:26
